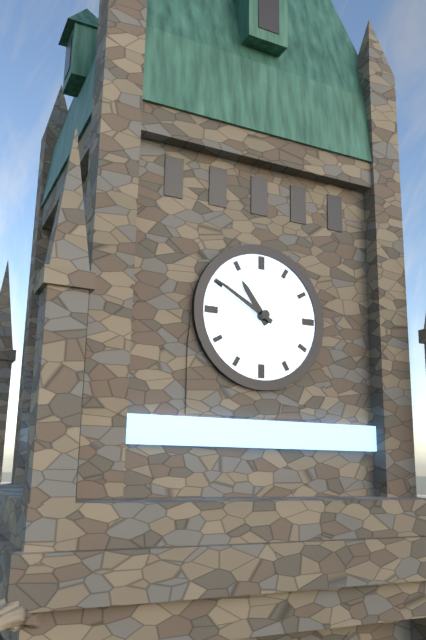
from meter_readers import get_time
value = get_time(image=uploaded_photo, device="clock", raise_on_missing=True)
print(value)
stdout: 10:50
